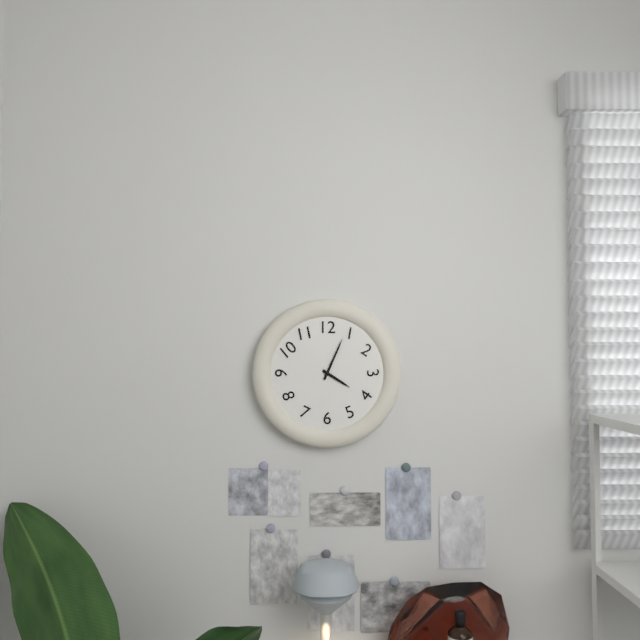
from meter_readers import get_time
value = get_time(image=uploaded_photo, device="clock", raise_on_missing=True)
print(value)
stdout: 4:04
